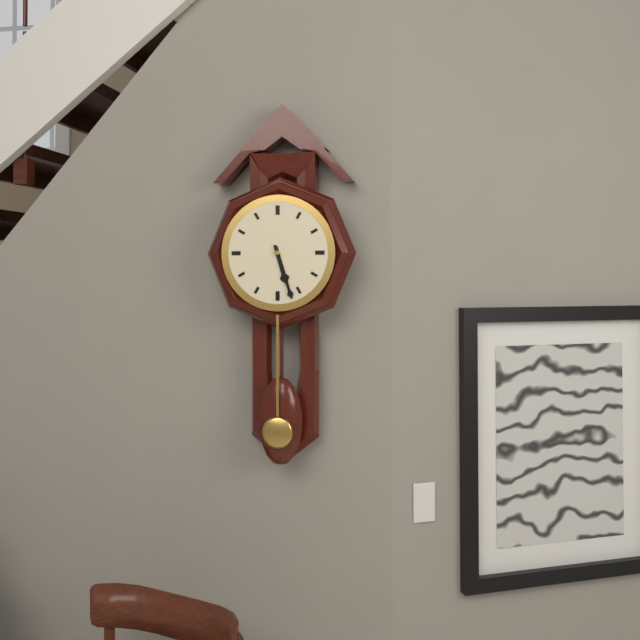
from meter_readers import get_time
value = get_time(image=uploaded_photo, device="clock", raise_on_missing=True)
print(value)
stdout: 5:27
